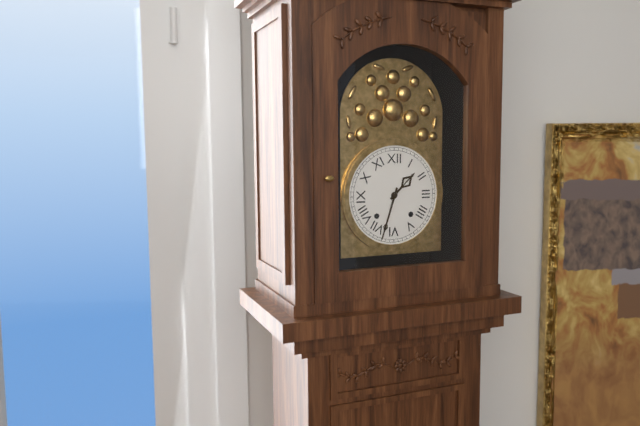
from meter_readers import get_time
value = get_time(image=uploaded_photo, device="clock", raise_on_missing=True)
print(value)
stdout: 1:33
